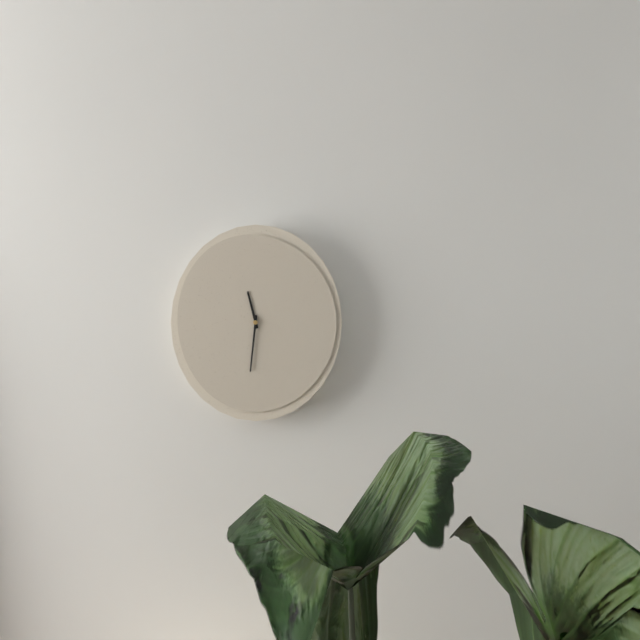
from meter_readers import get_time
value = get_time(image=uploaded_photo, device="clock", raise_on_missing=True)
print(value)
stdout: 11:31
